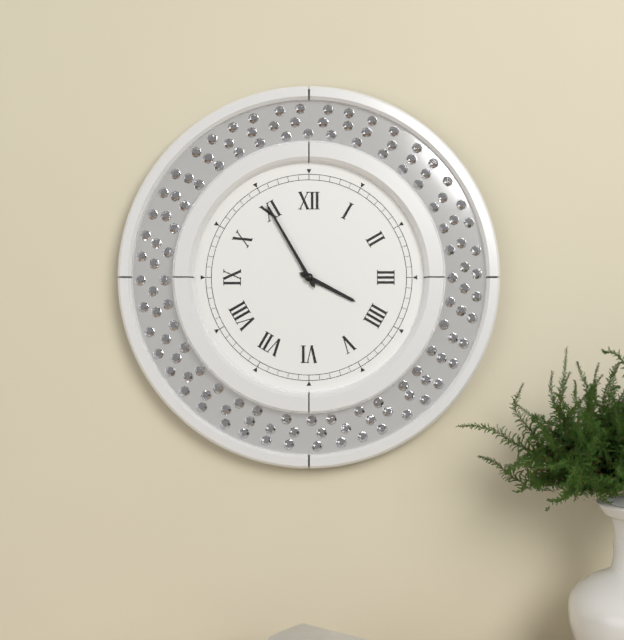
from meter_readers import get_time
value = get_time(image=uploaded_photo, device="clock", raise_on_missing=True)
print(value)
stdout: 3:55
